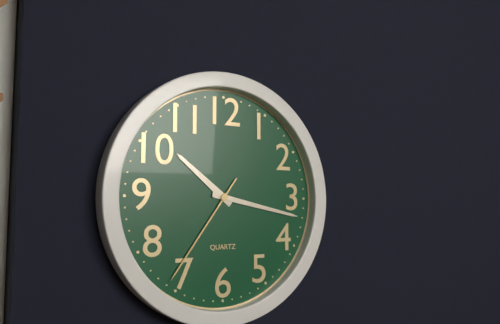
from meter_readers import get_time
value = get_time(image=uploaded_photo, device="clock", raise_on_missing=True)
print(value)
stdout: 10:17:36
